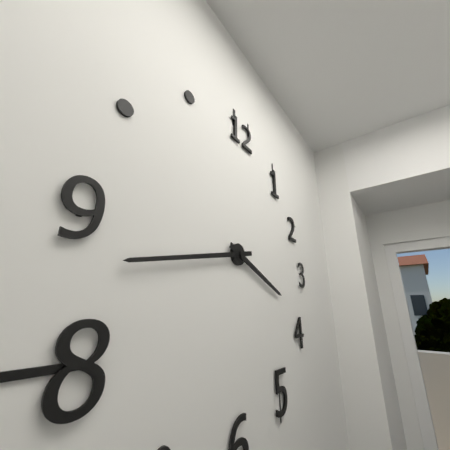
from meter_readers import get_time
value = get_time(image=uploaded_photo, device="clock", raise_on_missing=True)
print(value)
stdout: 3:43
